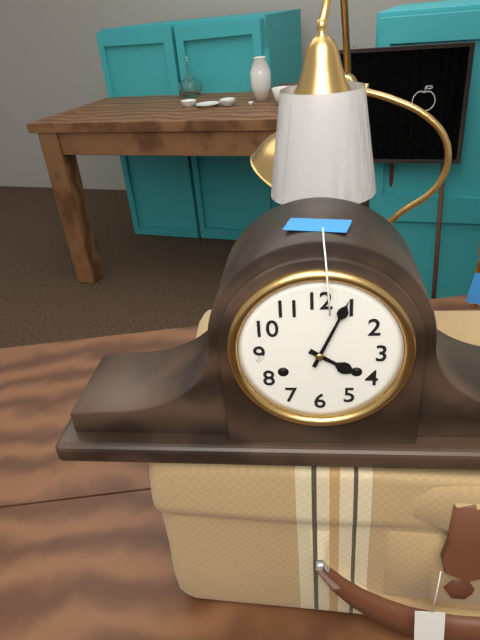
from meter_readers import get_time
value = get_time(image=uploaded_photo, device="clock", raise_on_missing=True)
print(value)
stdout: 4:04
